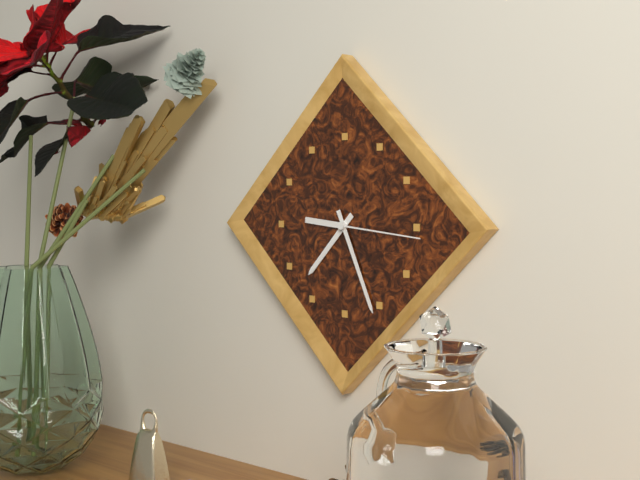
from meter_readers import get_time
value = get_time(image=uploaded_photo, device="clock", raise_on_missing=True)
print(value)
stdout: 7:26:16
